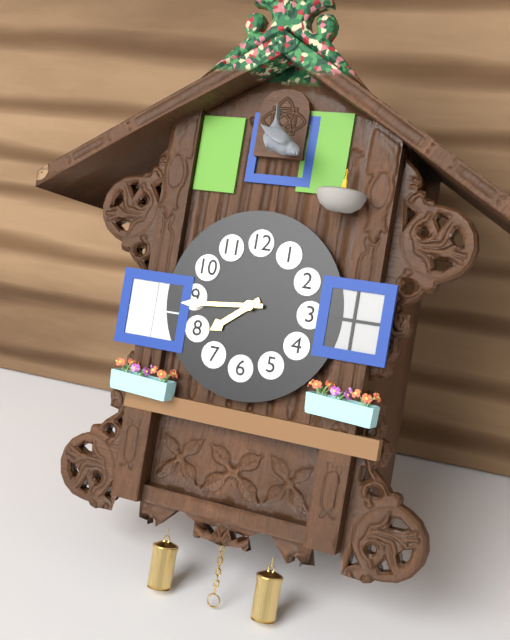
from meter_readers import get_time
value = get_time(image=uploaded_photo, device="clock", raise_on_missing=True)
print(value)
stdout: 7:44
